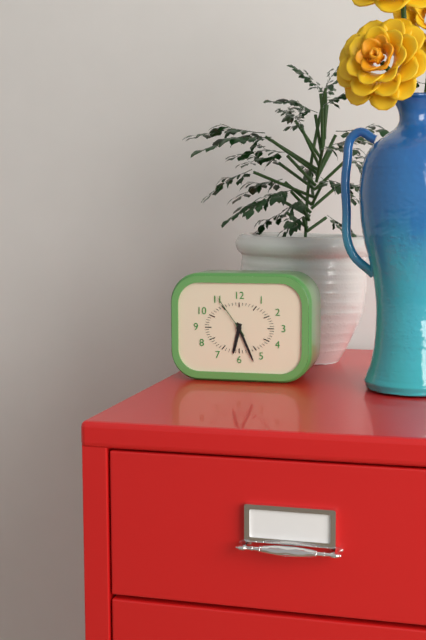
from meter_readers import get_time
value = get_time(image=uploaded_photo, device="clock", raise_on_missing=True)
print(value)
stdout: 6:26:54
